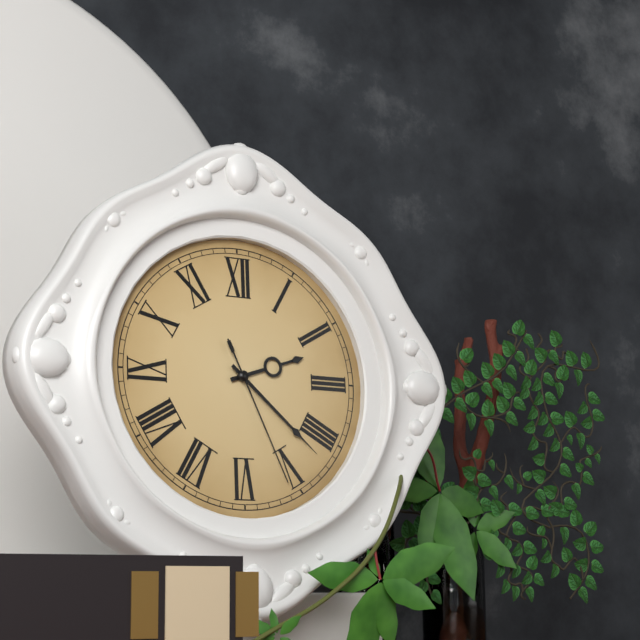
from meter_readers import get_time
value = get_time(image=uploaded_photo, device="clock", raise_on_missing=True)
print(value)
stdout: 2:22:26
